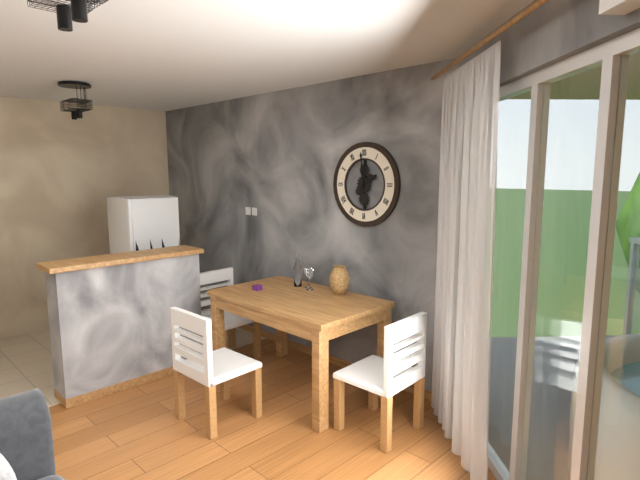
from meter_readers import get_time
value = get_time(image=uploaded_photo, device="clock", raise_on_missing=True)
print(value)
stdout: 1:59
